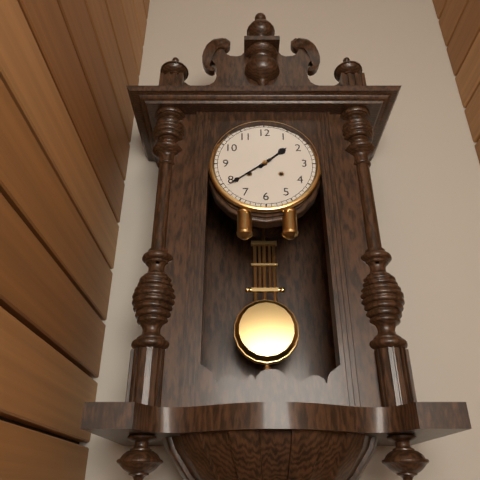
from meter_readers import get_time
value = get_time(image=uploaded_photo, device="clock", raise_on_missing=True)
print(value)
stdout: 1:39
